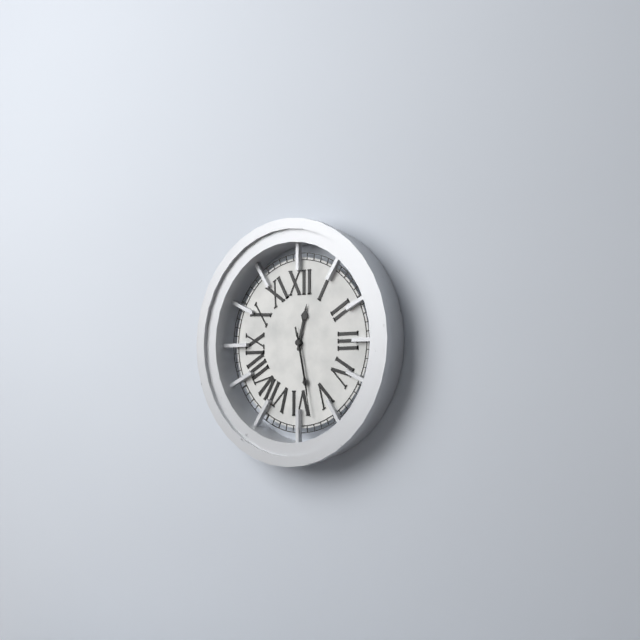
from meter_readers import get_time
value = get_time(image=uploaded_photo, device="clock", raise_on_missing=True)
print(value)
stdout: 12:28:28
